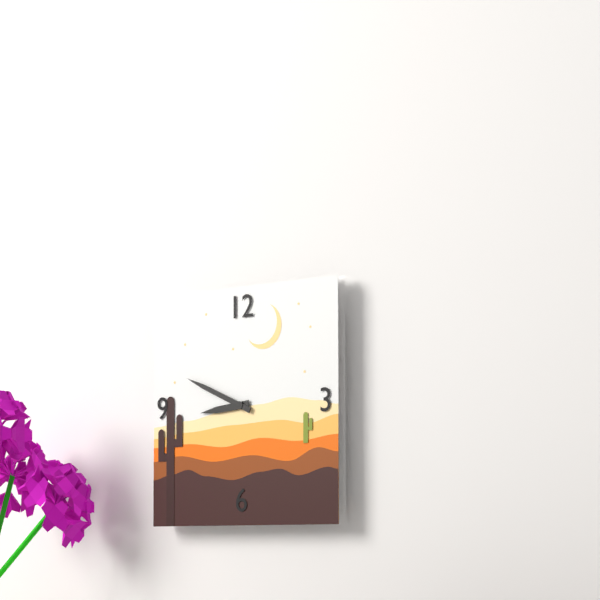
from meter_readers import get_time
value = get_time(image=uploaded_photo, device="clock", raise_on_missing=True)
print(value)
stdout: 8:49
